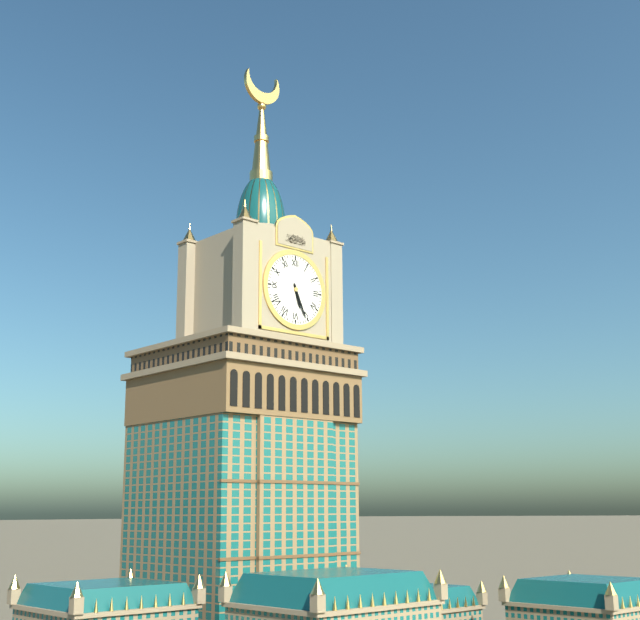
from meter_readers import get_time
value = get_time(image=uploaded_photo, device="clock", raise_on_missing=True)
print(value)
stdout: 5:26
